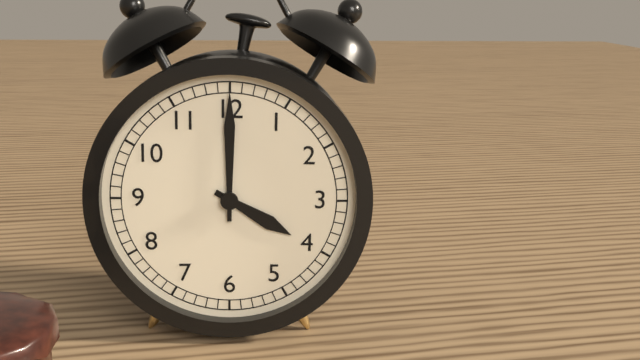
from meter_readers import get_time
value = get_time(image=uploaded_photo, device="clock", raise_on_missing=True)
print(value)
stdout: 4:00
